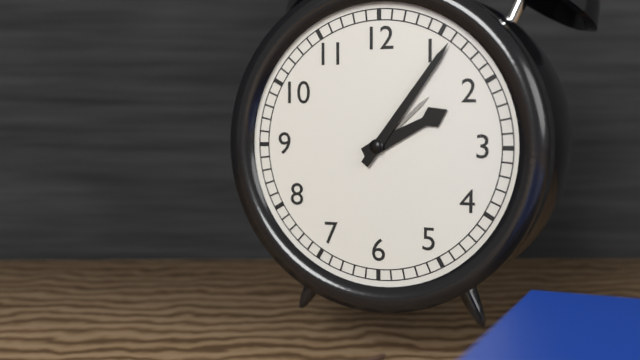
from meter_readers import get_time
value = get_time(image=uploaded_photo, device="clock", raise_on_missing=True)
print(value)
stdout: 2:06
